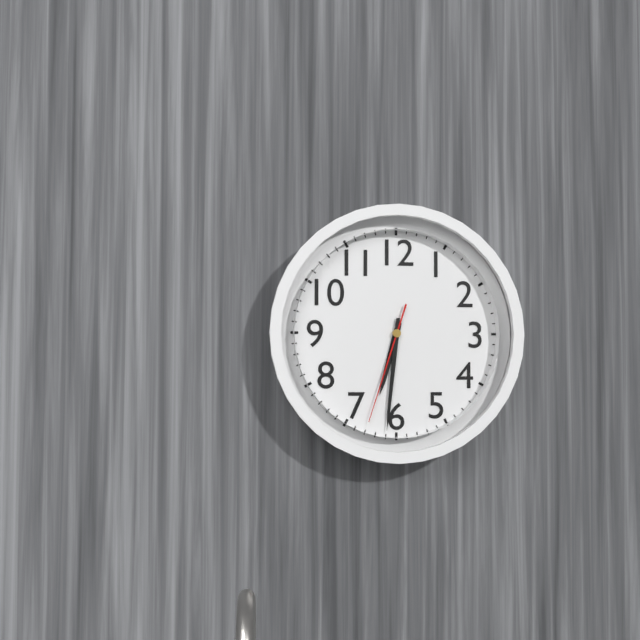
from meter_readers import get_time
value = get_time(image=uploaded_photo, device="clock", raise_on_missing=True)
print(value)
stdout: 6:31:33
